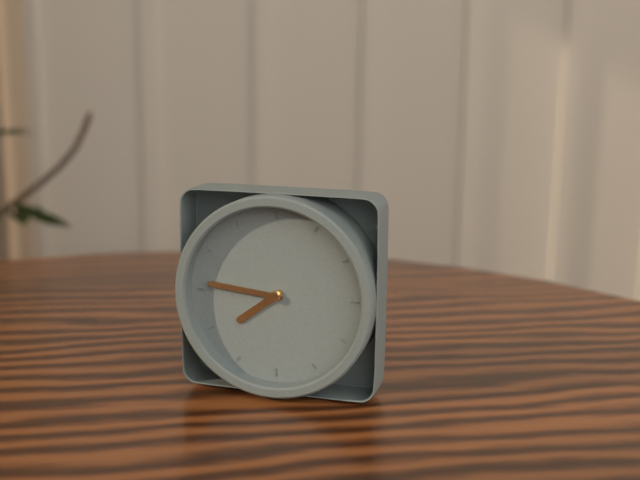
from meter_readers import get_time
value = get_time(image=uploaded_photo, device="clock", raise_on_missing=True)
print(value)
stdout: 7:46
